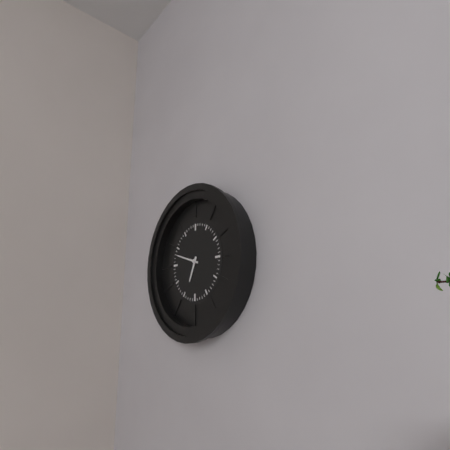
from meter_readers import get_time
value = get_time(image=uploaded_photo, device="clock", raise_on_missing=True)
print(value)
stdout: 6:48
